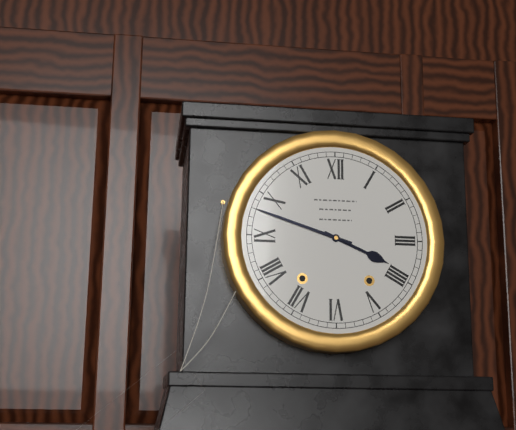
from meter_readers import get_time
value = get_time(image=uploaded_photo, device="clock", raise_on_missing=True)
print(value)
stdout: 3:48
